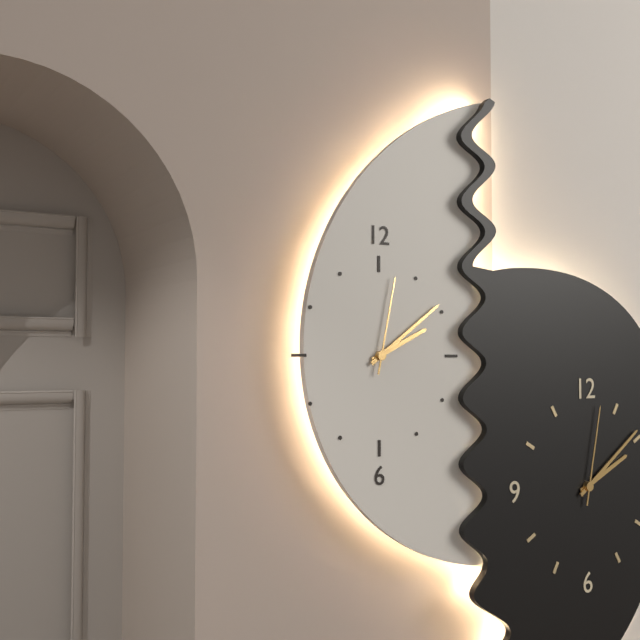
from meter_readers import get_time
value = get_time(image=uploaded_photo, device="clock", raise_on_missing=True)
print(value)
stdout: 2:09:02
